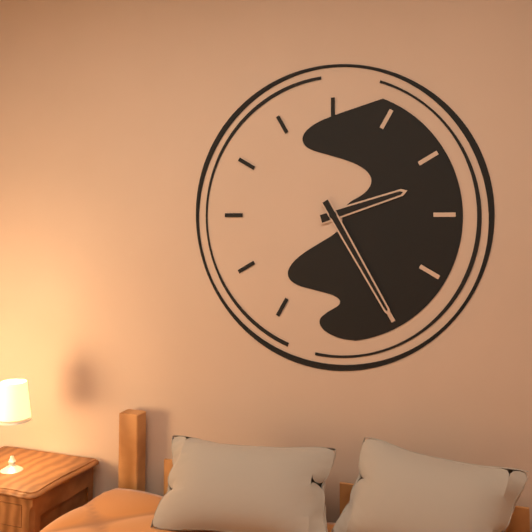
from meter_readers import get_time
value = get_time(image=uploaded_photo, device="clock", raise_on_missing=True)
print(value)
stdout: 2:25
